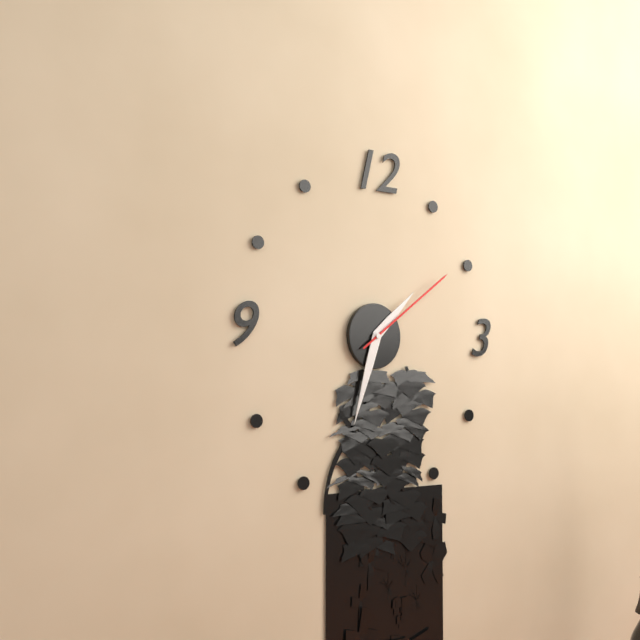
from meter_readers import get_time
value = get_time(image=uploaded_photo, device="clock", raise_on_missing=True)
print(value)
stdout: 1:33:09
